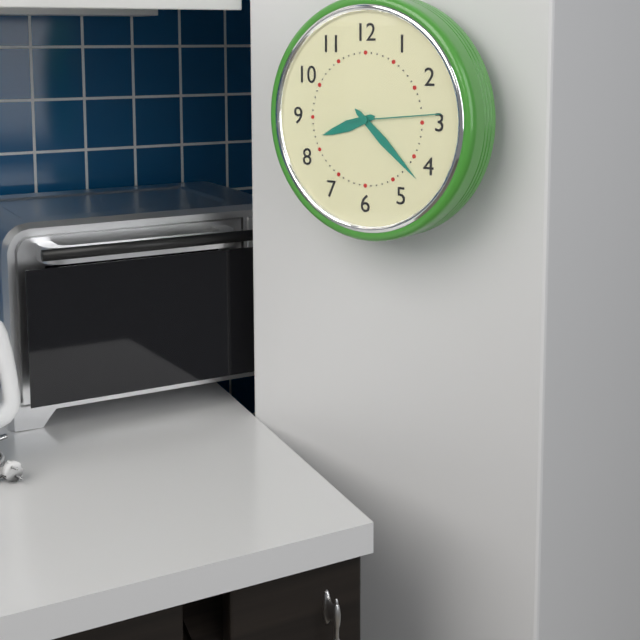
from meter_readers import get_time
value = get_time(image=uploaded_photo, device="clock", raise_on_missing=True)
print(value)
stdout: 8:22:14
